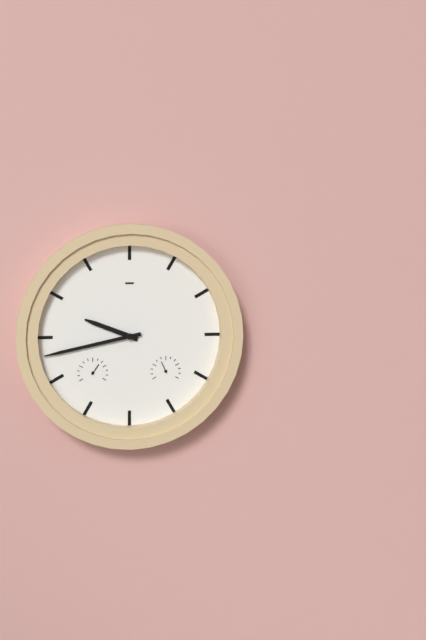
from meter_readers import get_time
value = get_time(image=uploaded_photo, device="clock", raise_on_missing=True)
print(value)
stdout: 9:43
